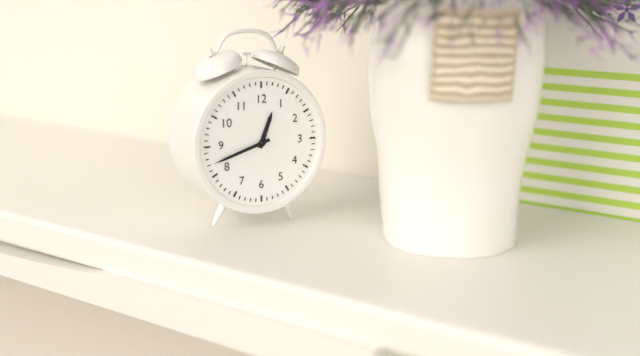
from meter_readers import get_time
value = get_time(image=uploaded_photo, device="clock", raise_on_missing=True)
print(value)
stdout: 12:42
